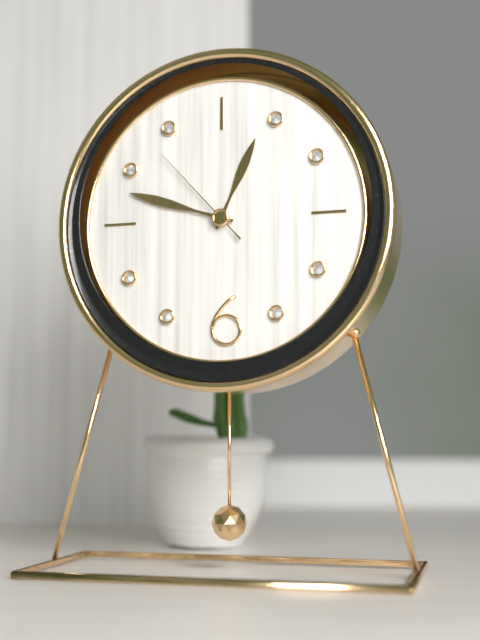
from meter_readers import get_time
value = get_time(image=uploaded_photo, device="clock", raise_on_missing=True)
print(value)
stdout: 12:48:53
